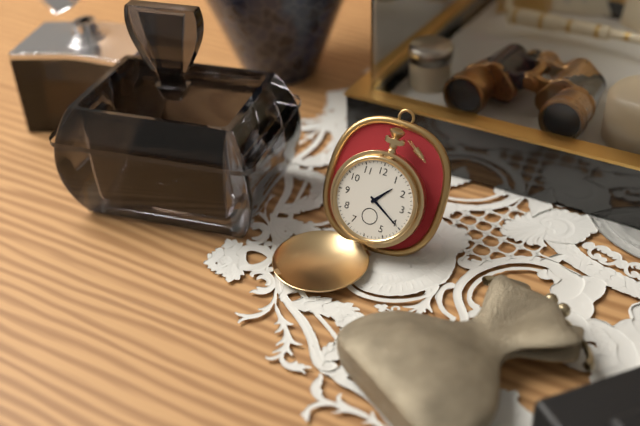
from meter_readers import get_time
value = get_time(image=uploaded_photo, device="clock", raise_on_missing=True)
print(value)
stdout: 1:20
